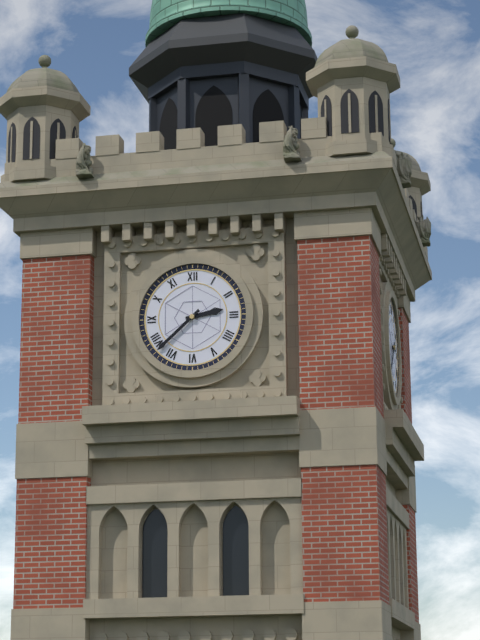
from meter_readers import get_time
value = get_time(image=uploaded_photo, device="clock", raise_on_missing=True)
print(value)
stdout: 2:38
